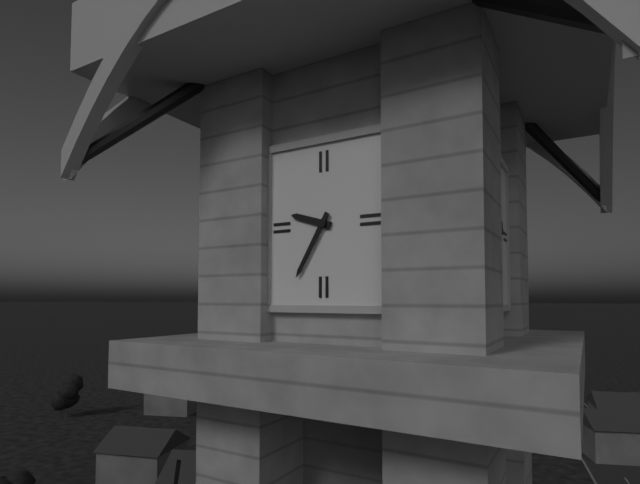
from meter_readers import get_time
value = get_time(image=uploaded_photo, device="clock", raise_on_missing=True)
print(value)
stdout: 9:35
